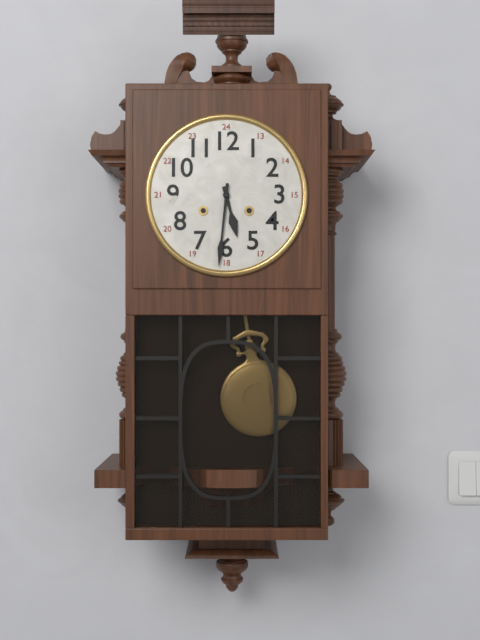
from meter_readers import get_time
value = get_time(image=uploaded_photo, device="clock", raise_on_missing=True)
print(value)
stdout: 5:31
